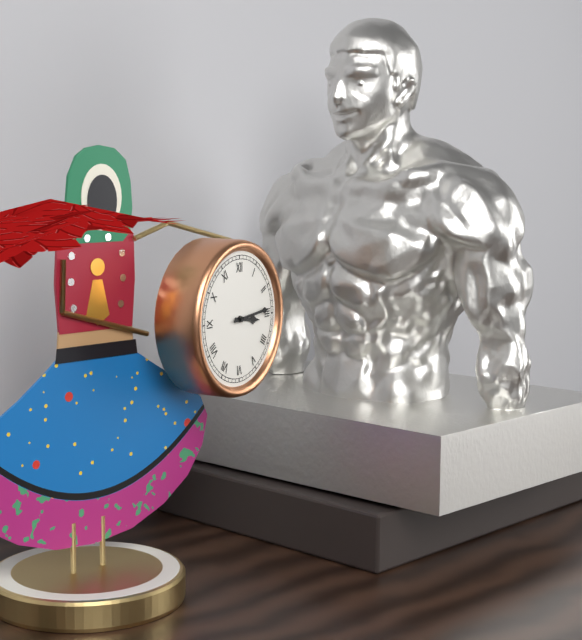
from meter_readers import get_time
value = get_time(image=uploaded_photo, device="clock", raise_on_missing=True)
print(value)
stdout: 3:14
